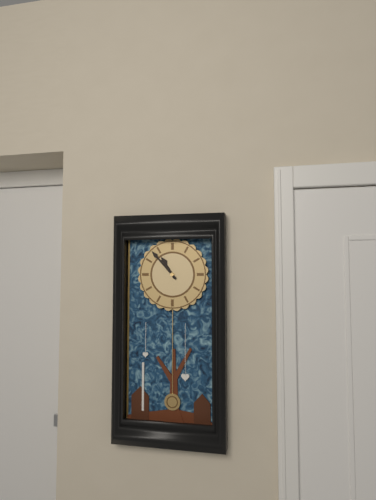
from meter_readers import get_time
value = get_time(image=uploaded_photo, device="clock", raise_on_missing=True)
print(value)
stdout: 10:53
